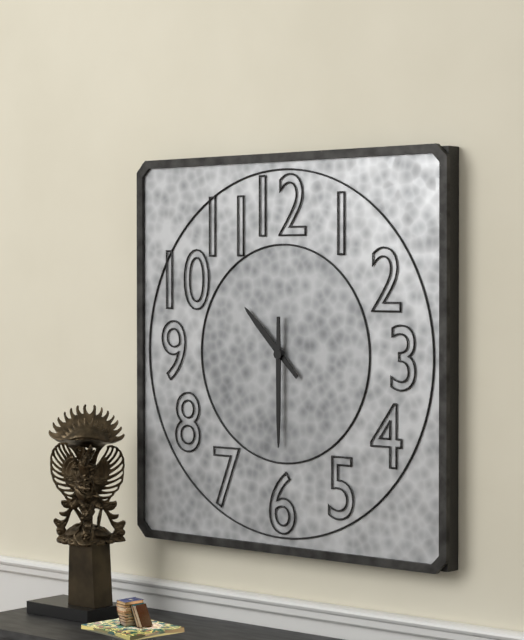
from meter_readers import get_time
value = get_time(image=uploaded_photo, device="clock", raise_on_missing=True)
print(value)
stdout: 10:30
